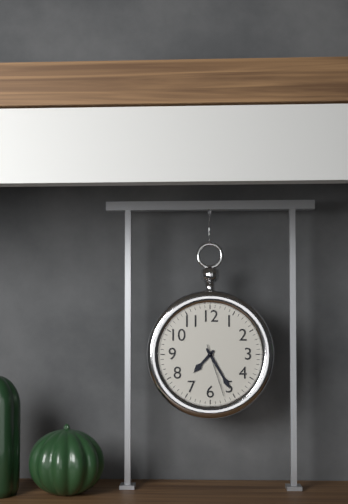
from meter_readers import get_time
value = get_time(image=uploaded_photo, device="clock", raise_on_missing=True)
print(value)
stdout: 7:25:27
